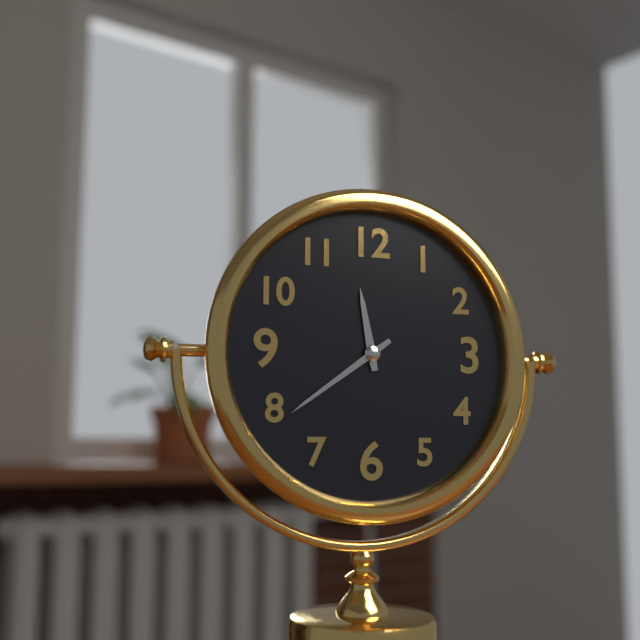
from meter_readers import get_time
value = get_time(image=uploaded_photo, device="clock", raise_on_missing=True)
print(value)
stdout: 11:39
